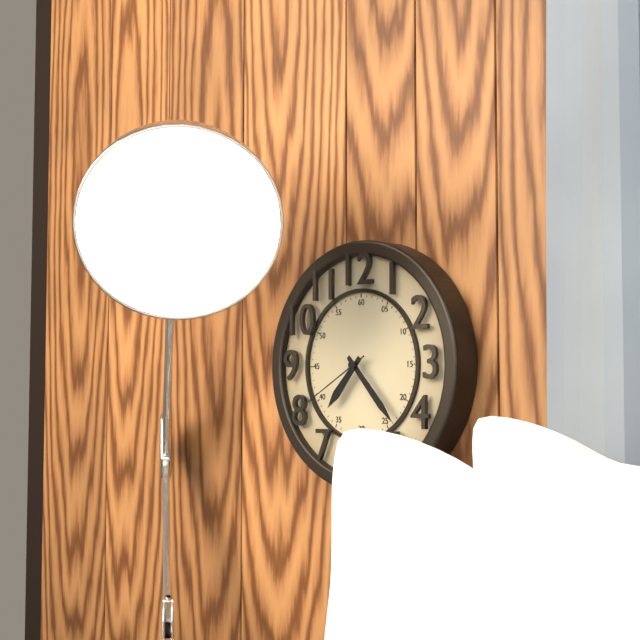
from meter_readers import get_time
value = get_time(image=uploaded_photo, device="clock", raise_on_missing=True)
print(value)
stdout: 7:23:40
